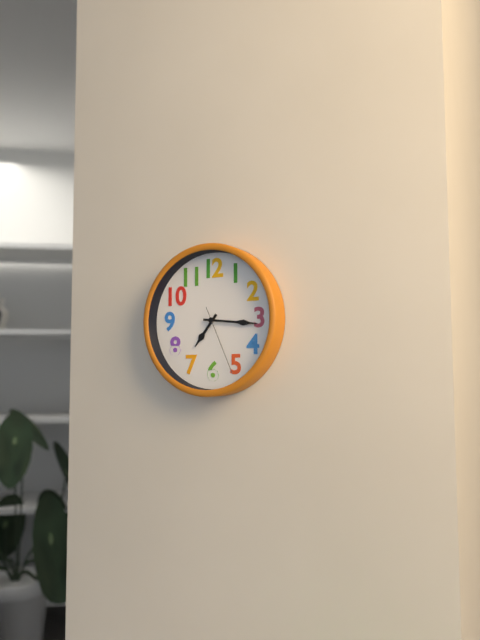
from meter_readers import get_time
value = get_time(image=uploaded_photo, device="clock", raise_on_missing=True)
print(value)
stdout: 7:16:26
